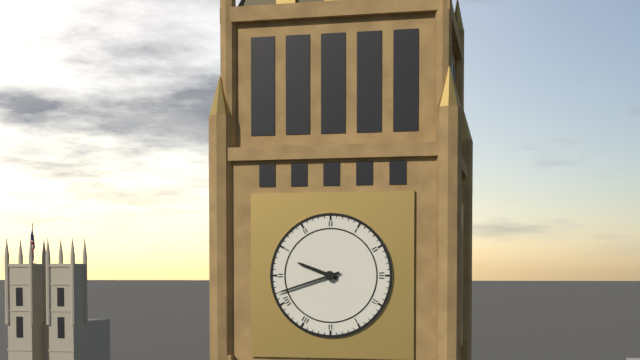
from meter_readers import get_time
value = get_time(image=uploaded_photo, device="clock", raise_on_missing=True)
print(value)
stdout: 9:42
